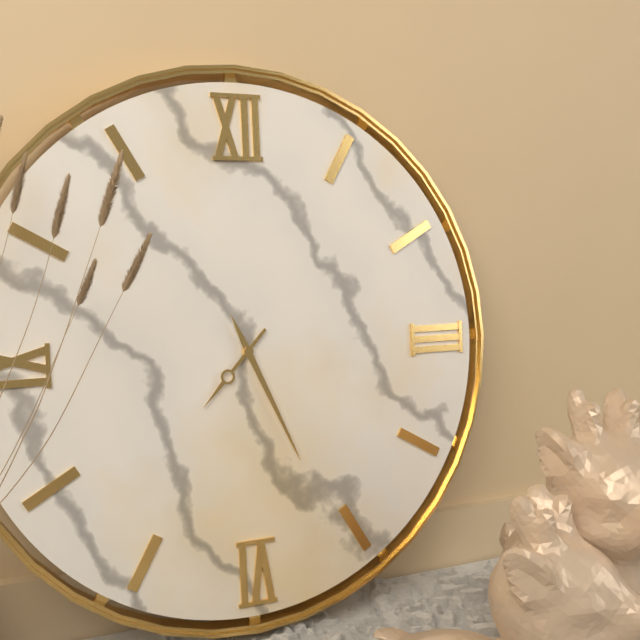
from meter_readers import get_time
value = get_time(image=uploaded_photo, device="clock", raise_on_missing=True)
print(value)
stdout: 7:26
